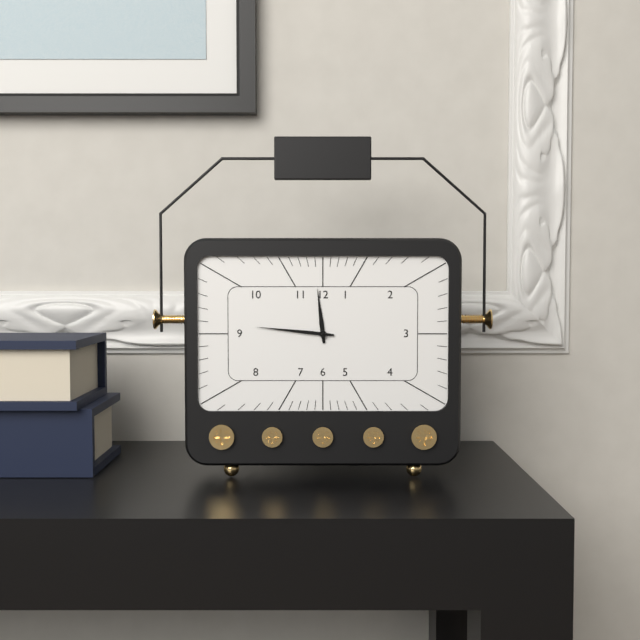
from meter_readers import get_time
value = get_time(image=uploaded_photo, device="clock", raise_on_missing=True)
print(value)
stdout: 11:46
